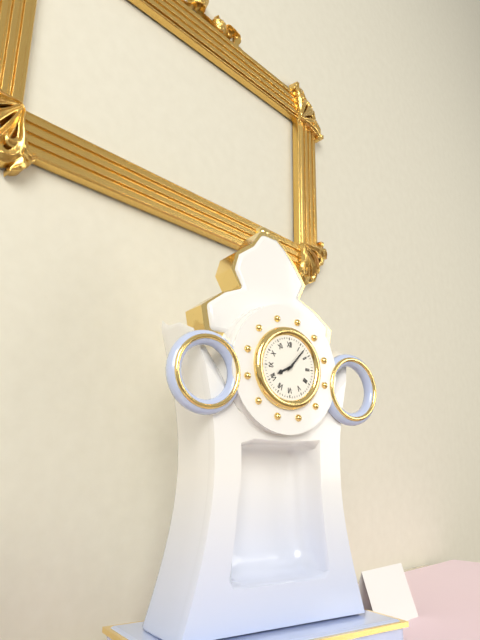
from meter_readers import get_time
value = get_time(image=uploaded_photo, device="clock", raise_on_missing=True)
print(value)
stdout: 8:07
